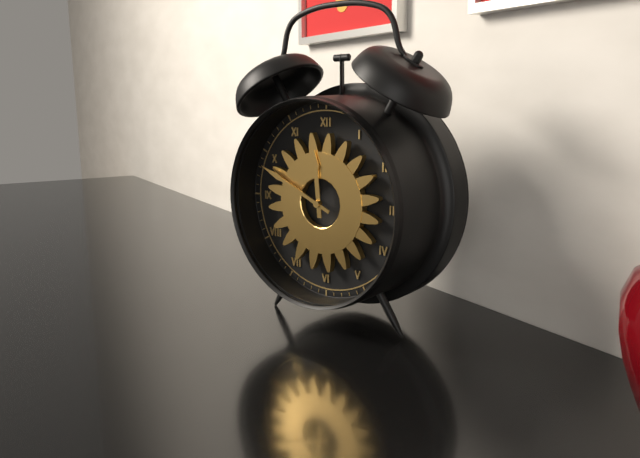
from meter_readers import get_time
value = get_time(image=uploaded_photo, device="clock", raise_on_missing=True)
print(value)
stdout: 11:49
